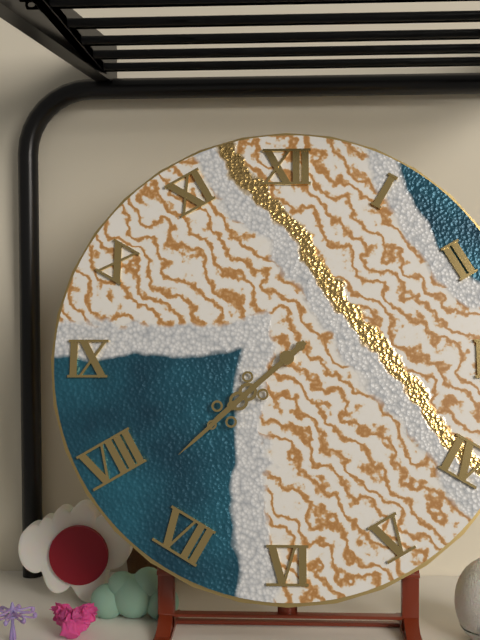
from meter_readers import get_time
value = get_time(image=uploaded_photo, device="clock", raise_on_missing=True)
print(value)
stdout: 7:38
